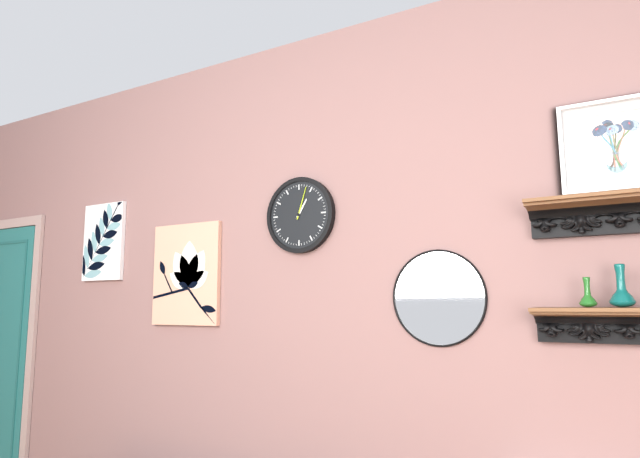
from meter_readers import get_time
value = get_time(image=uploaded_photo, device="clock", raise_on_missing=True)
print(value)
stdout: 1:03
